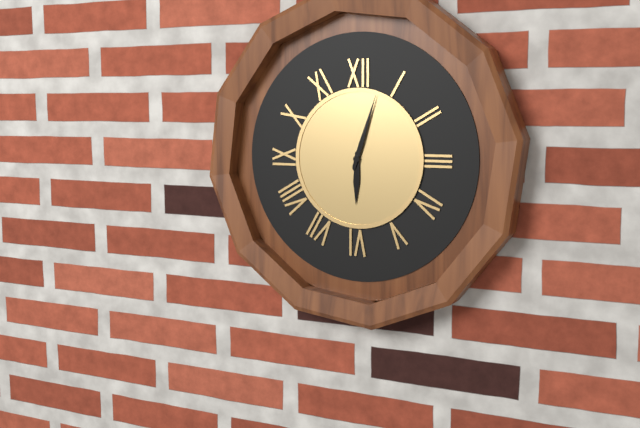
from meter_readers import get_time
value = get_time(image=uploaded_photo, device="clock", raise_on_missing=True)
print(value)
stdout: 6:03
